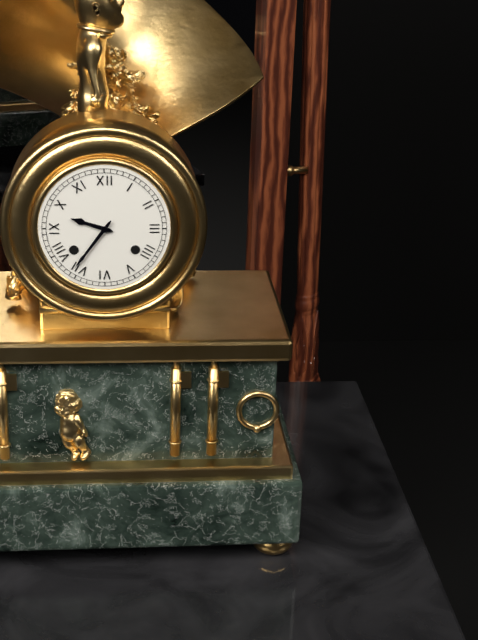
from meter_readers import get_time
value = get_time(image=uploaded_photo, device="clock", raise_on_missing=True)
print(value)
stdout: 9:36
